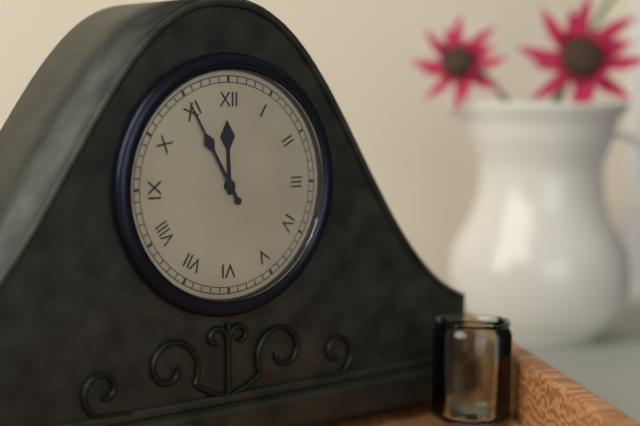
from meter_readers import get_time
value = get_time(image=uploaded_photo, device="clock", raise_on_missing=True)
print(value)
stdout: 11:55
